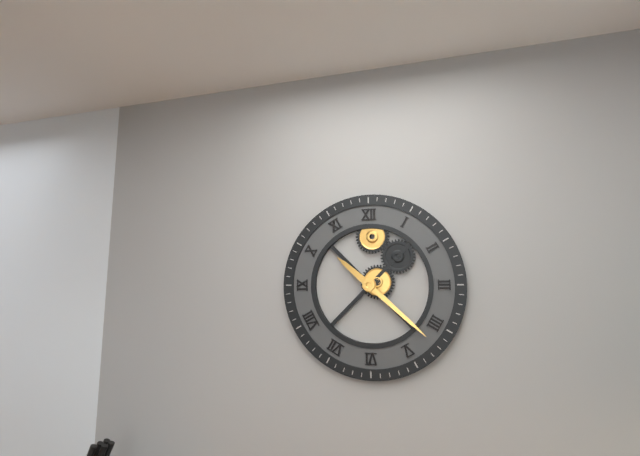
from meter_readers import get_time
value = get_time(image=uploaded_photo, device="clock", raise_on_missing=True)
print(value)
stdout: 10:22
